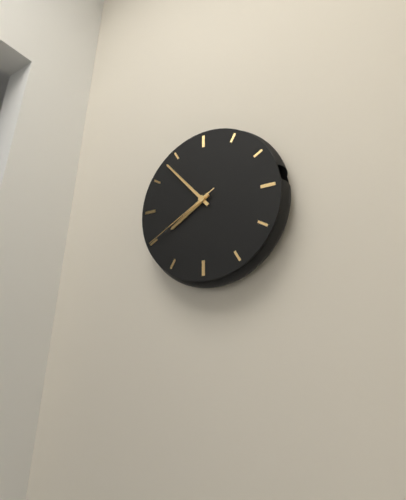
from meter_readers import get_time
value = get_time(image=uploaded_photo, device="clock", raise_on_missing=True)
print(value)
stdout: 7:53:40
